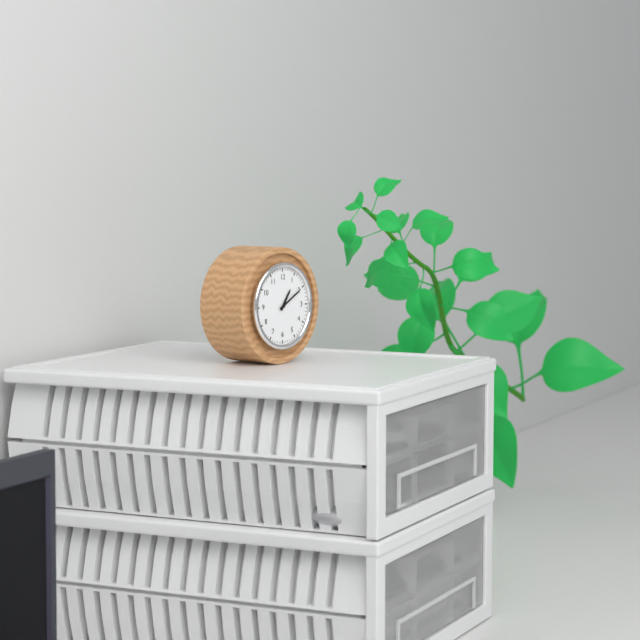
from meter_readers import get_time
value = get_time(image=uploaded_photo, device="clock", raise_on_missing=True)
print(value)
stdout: 1:10
